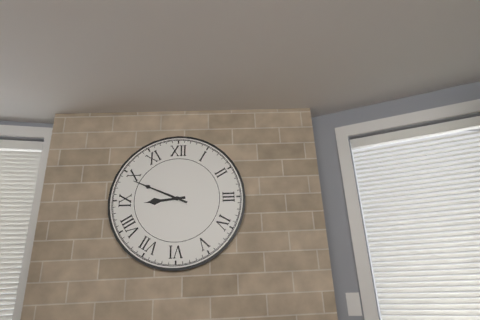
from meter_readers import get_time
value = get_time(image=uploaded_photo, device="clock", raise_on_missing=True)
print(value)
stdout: 8:49
